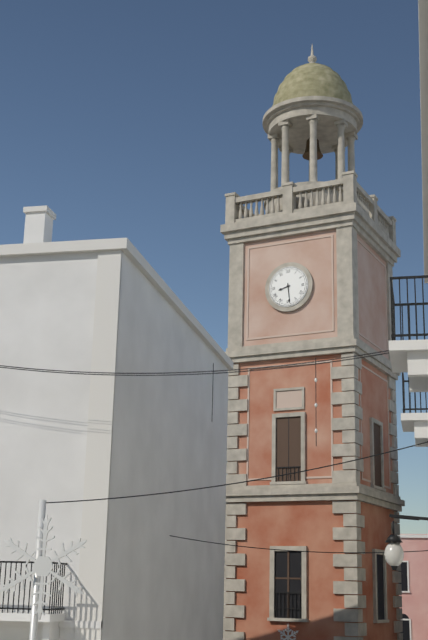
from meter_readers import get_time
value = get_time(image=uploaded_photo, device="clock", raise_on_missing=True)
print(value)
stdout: 8:29
